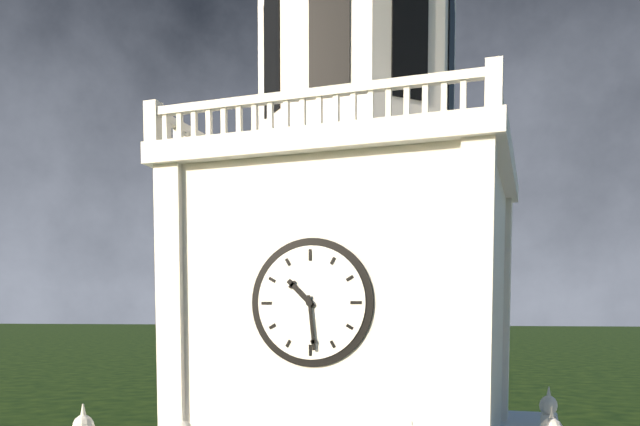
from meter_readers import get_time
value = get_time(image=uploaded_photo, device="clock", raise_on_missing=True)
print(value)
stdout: 10:29
